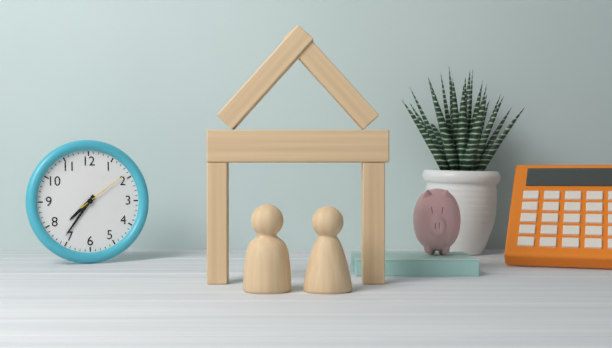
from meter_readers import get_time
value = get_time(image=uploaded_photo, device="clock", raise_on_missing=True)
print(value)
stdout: 7:36:09
